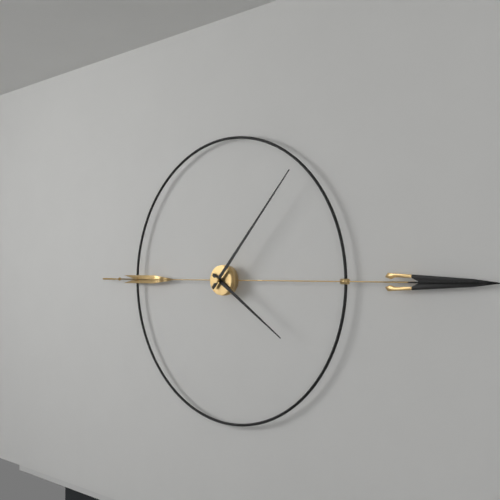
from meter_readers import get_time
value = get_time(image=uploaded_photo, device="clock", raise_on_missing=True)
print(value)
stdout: 4:07
